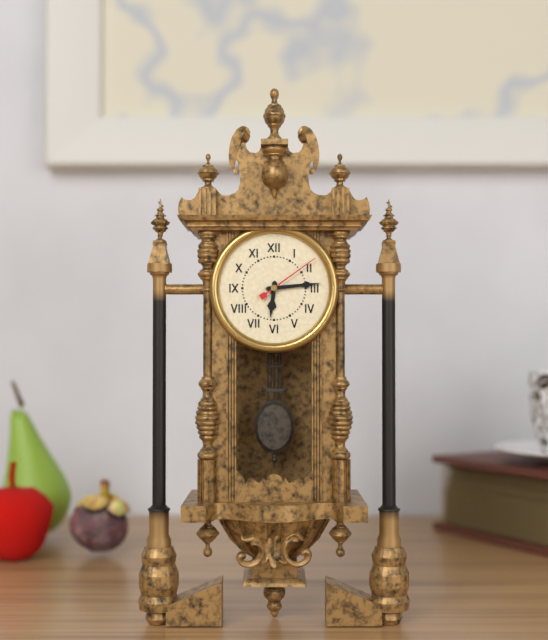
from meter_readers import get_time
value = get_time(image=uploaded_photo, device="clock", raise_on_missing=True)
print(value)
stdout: 6:14:09
